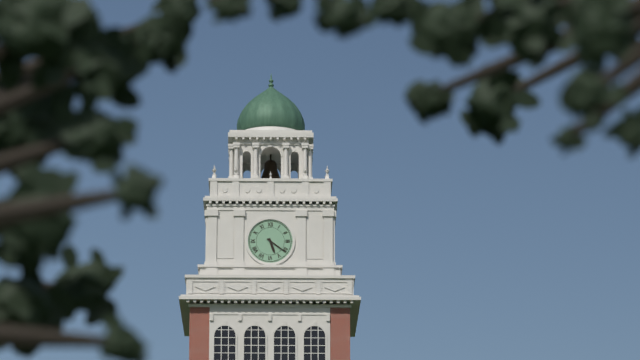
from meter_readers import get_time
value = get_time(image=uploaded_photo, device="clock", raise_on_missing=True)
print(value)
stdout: 5:21
